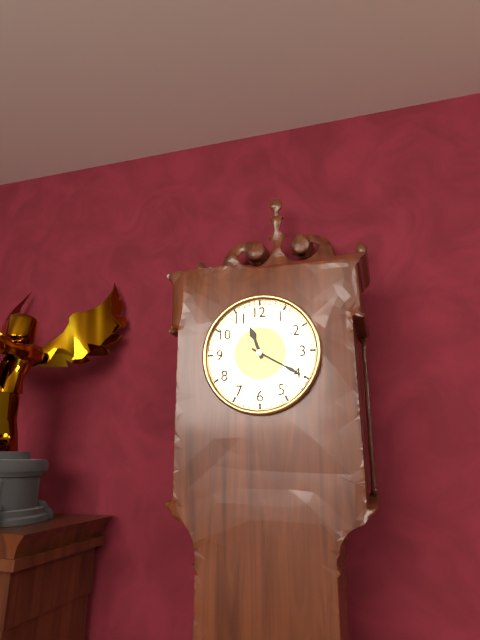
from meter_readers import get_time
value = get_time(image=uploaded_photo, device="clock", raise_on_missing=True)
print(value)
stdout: 11:20
